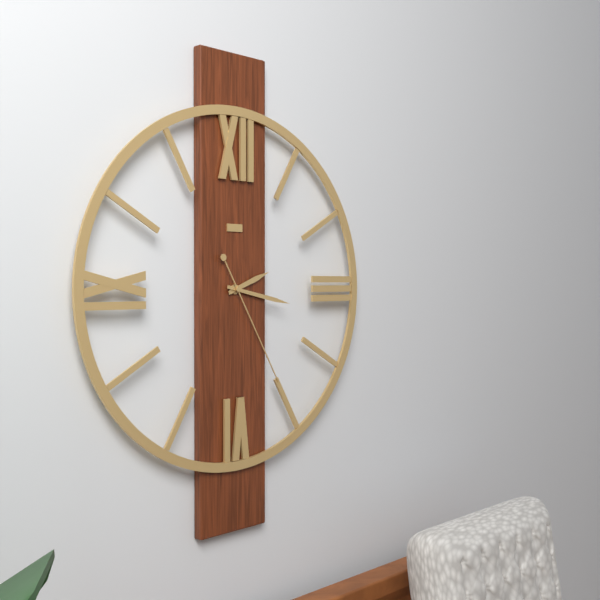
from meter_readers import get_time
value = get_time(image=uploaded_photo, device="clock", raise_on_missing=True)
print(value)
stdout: 2:17:25
